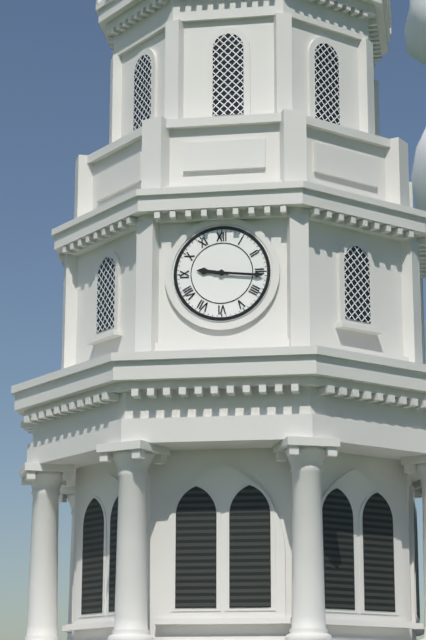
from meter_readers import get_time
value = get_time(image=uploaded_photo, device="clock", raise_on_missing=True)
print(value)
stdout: 9:16
